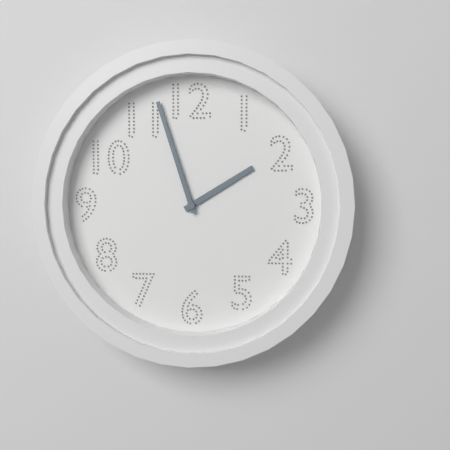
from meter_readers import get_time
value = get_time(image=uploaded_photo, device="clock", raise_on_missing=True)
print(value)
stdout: 1:57
